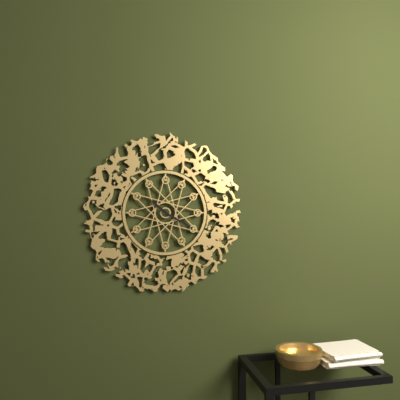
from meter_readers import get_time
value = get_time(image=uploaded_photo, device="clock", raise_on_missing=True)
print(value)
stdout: 10:20
